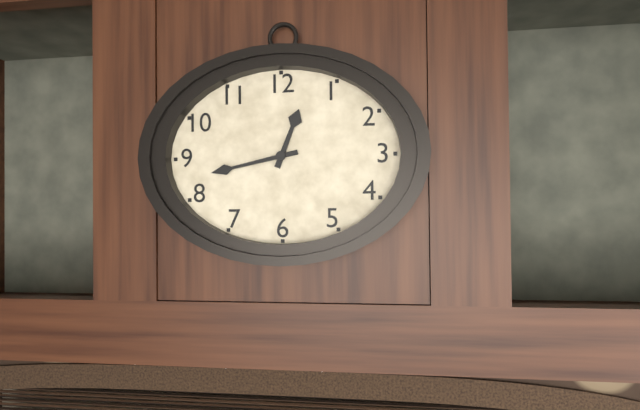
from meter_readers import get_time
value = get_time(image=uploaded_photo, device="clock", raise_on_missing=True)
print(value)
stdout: 12:43
